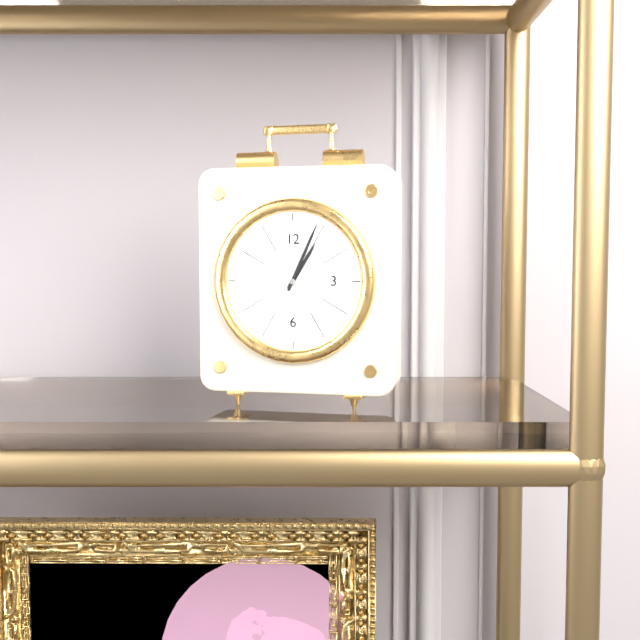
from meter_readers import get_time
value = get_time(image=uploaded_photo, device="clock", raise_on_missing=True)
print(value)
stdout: 1:04
